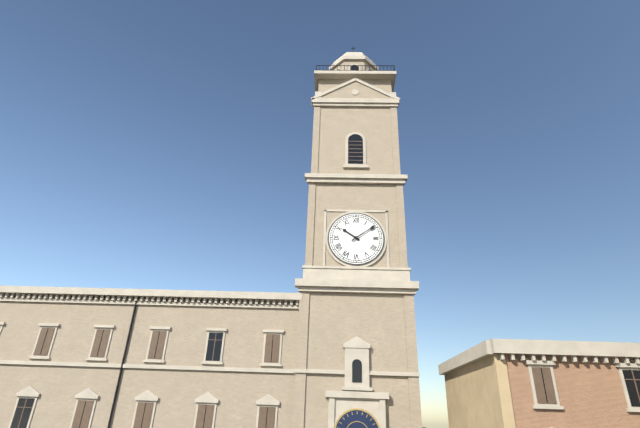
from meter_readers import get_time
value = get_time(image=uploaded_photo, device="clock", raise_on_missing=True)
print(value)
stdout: 10:09
